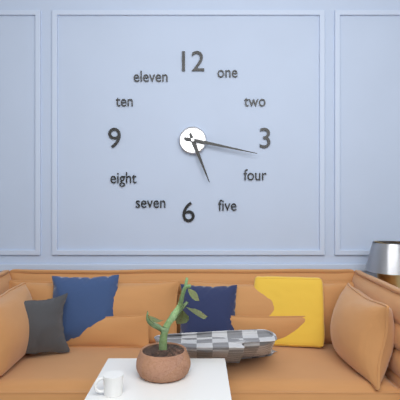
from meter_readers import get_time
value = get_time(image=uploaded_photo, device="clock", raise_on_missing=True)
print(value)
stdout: 5:17
